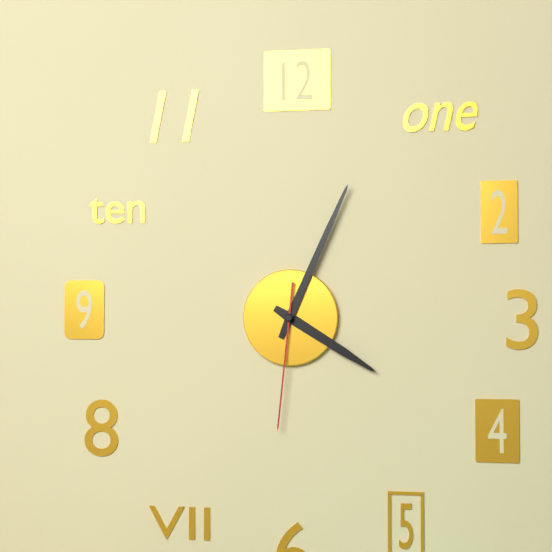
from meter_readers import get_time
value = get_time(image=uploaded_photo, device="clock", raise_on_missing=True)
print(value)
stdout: 4:04:31
